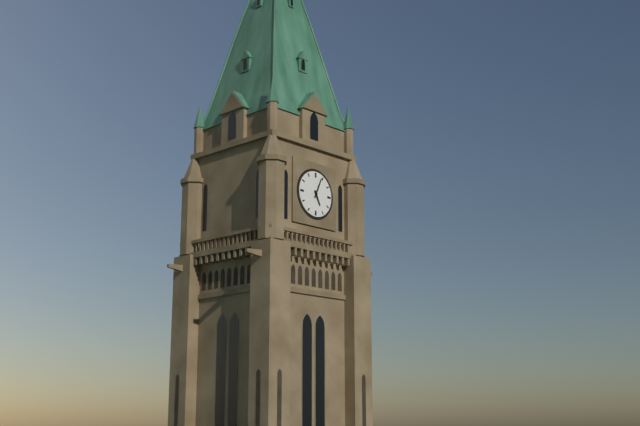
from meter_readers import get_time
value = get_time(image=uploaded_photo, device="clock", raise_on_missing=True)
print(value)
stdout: 5:04
